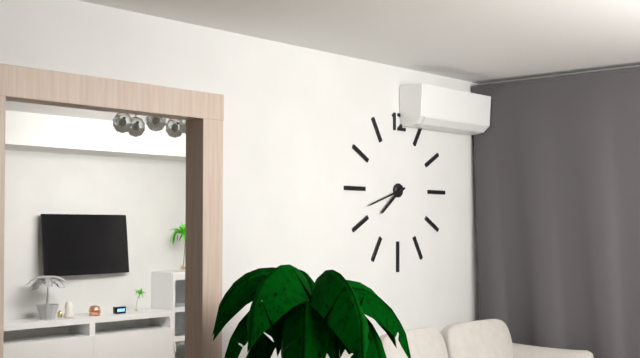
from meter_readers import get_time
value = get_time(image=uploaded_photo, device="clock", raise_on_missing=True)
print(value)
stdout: 7:42
